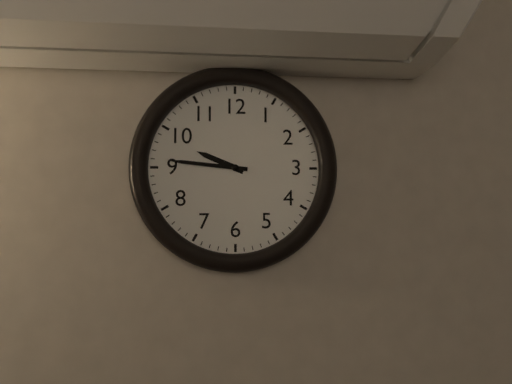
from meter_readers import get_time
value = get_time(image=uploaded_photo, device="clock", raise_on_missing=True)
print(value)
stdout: 9:46
